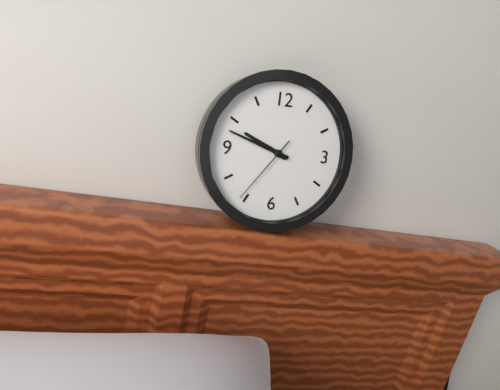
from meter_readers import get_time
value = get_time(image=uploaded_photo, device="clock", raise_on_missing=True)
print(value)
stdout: 9:48:36
